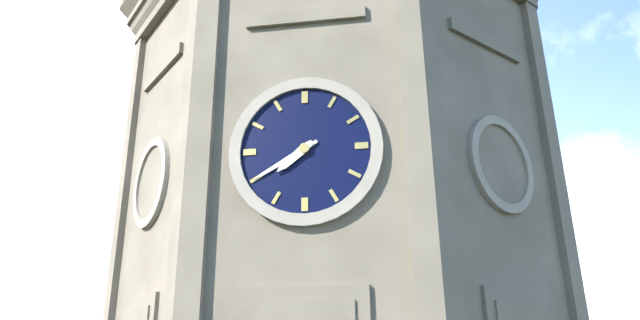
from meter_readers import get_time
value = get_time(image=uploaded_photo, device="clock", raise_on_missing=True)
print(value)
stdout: 7:40
